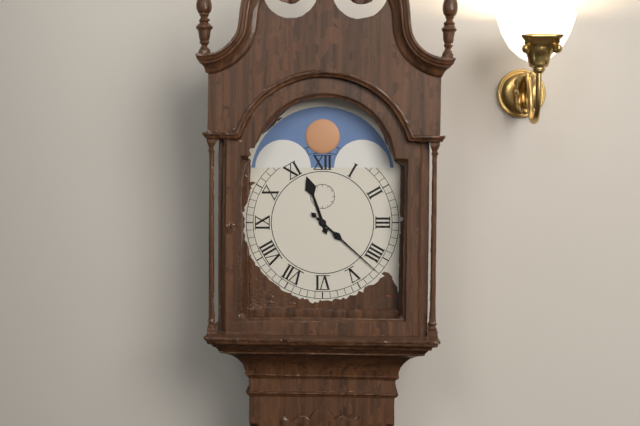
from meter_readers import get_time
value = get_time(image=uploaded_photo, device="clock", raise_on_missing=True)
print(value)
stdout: 11:22
